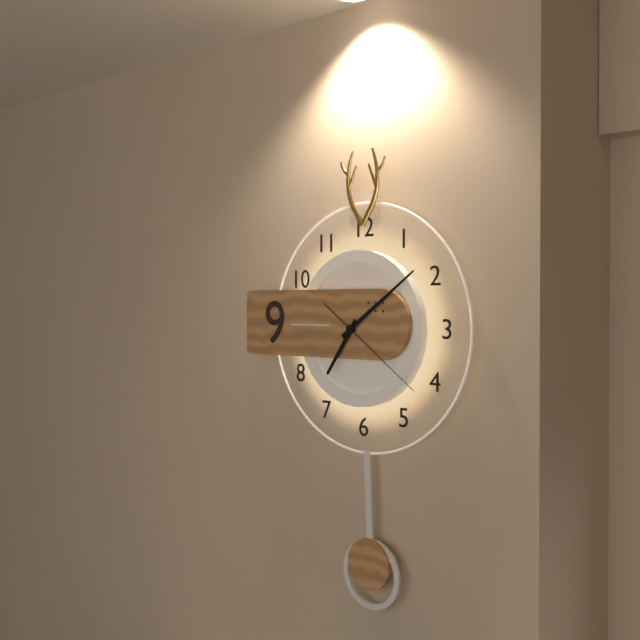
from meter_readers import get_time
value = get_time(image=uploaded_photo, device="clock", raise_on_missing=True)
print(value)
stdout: 7:09:21
